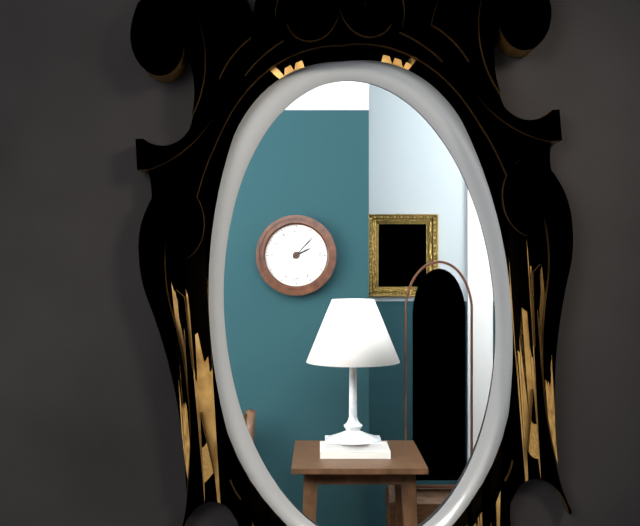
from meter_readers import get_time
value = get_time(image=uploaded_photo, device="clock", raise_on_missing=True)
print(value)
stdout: 2:07
